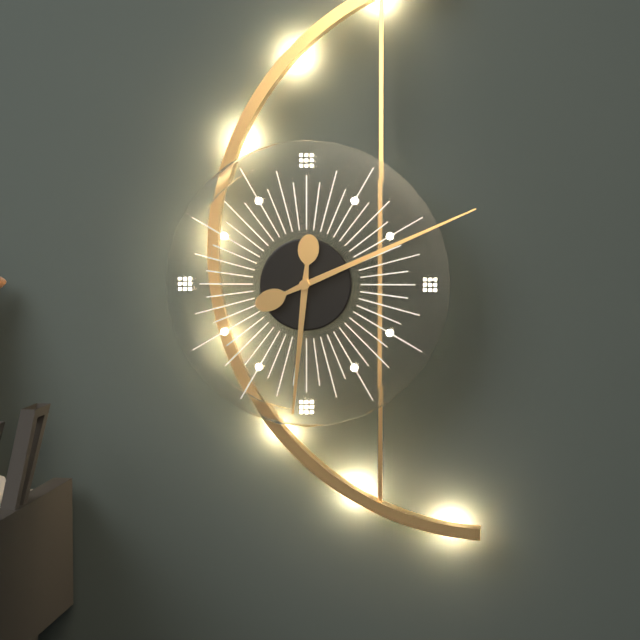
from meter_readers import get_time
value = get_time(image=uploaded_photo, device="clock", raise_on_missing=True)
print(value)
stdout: 6:11
